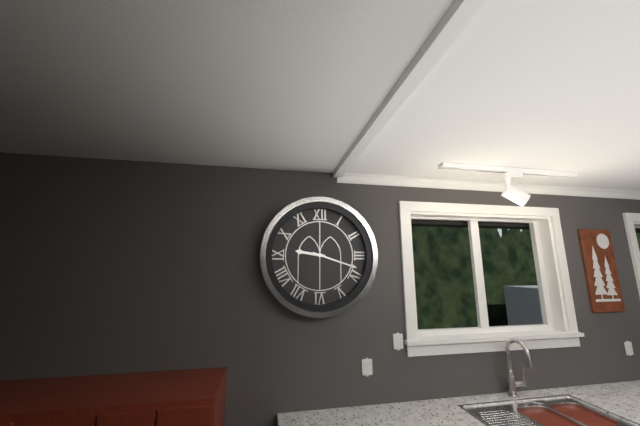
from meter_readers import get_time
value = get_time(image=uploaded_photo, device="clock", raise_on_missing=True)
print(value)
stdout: 9:18
